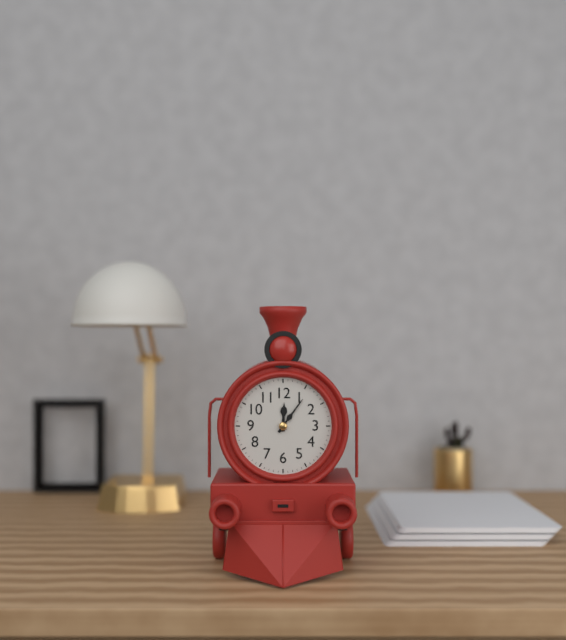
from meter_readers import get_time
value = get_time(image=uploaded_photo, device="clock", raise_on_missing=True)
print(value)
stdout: 12:06
